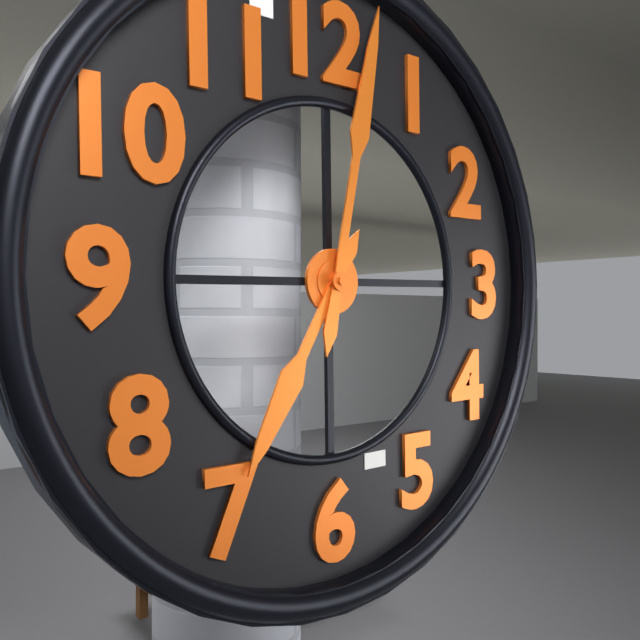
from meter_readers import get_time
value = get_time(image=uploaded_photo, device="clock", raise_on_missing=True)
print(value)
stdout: 7:02
